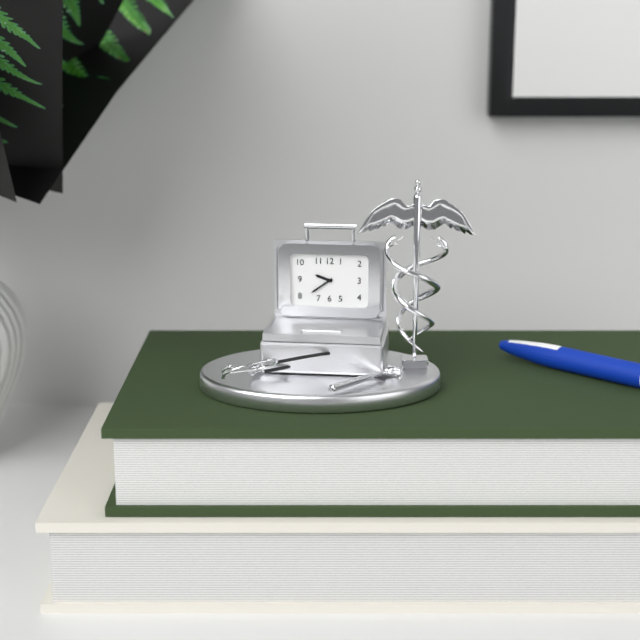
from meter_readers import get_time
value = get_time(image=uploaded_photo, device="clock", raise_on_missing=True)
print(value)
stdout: 9:39
